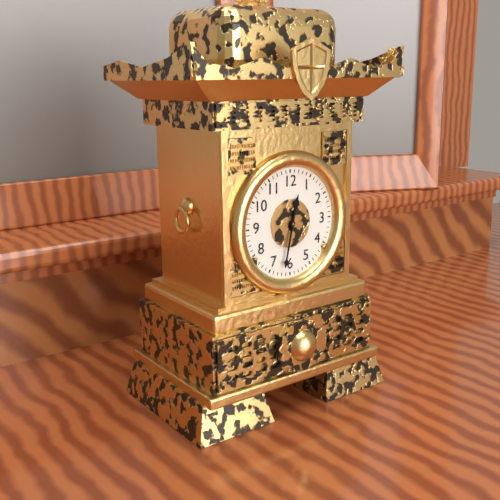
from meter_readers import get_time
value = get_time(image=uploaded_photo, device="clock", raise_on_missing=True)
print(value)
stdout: 12:32
